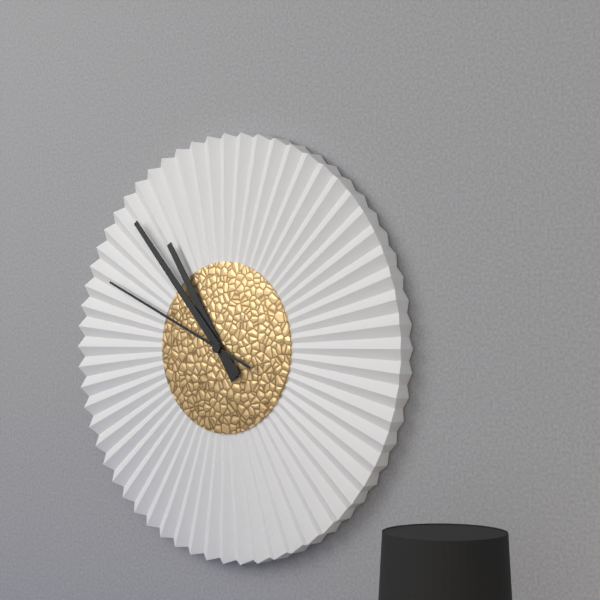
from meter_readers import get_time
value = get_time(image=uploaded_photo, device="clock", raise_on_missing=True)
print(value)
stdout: 10:53:49
